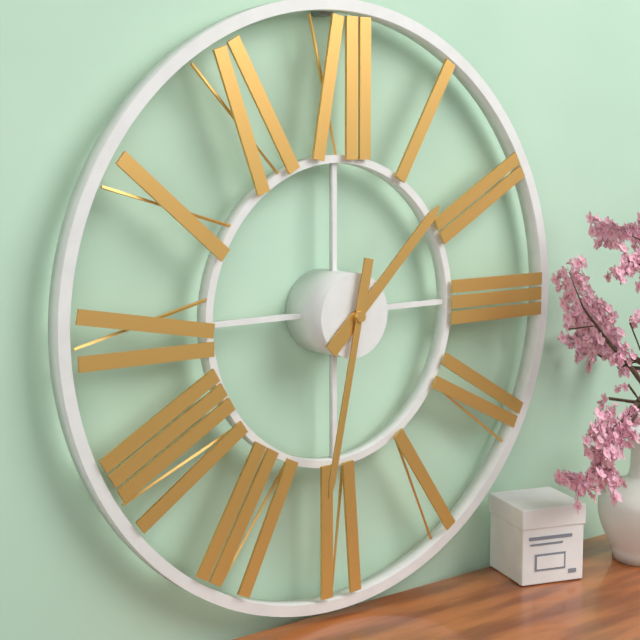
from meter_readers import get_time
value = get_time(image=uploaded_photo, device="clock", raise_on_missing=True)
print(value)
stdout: 1:32
